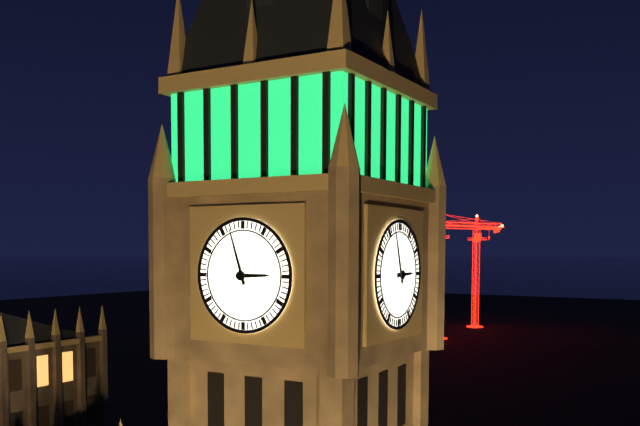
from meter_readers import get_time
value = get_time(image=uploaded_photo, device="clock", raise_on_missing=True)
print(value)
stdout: 2:57
